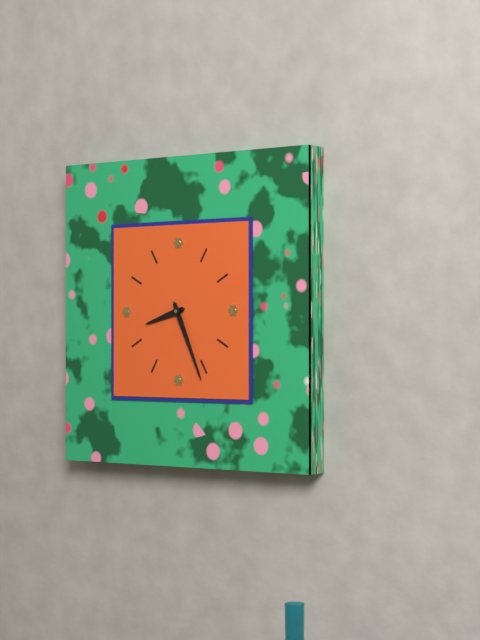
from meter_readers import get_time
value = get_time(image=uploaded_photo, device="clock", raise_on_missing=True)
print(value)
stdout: 8:26
